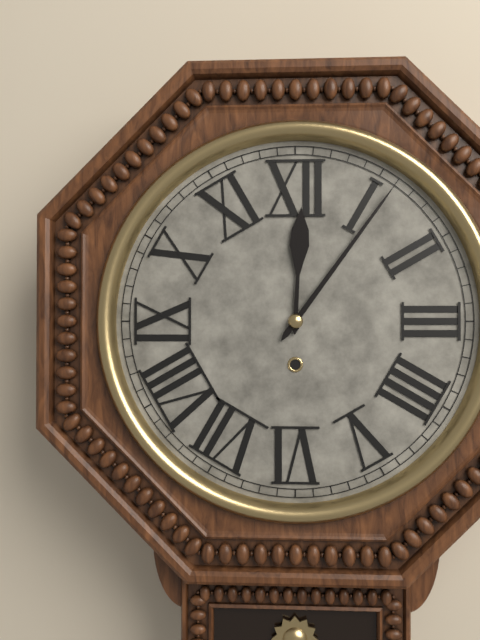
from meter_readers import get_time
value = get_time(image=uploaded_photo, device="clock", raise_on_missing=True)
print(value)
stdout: 12:06
